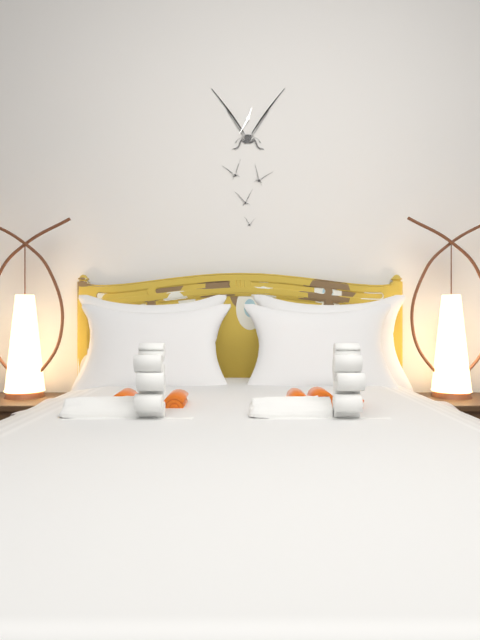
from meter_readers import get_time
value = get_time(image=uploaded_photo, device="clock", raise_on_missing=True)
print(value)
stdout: 12:35
